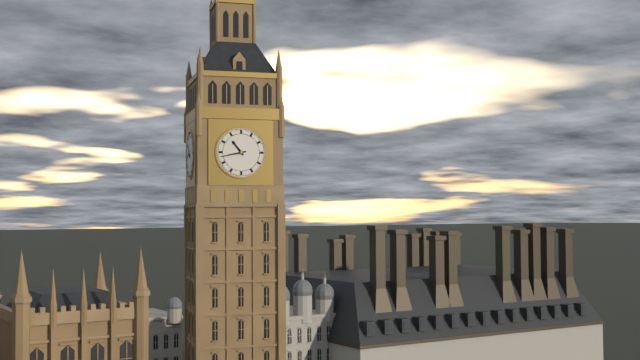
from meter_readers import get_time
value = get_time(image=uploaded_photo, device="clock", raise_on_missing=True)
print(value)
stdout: 10:43
